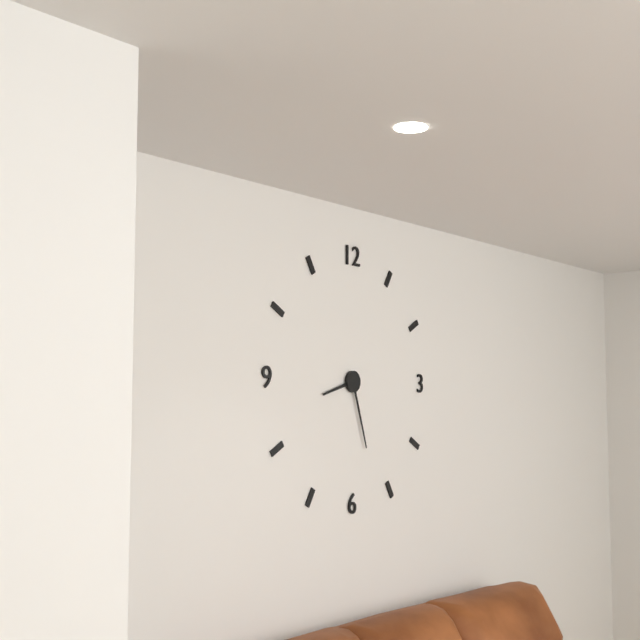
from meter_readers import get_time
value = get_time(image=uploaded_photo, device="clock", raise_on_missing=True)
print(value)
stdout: 8:27
